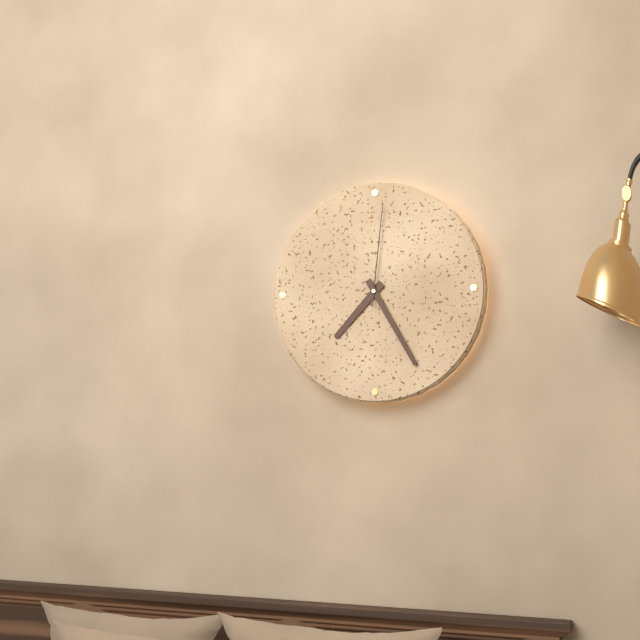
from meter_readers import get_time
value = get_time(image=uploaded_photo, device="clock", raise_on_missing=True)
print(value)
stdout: 7:25:01
